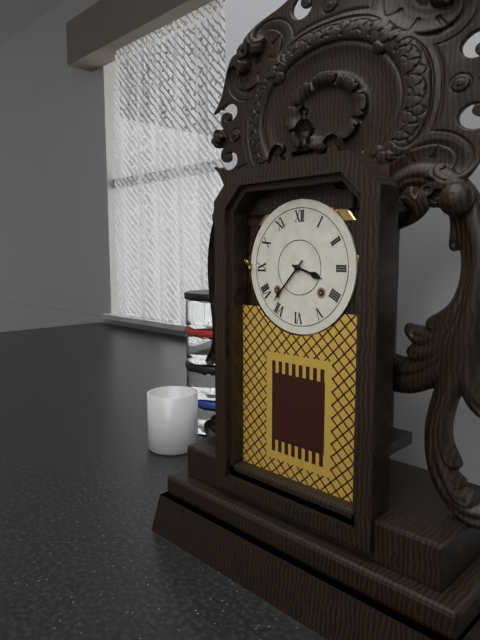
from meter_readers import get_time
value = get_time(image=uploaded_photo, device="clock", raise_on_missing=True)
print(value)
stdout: 3:37
